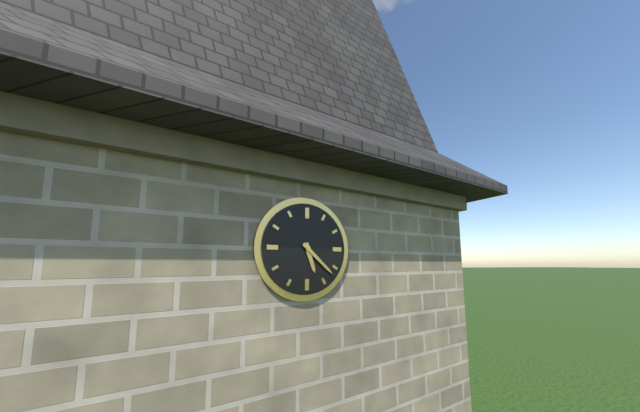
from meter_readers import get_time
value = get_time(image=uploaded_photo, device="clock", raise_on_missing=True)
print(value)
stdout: 5:22
